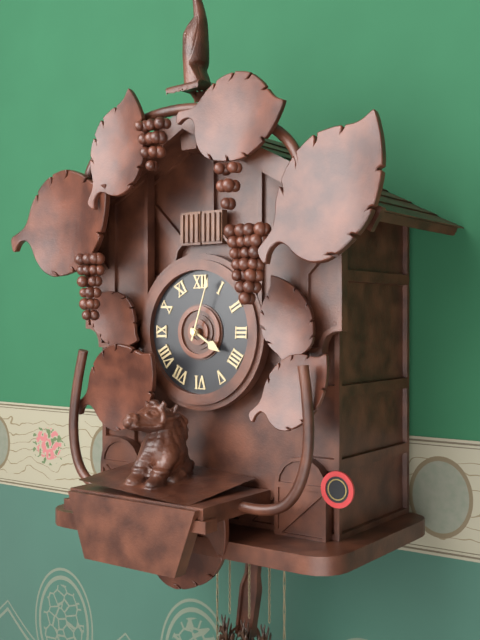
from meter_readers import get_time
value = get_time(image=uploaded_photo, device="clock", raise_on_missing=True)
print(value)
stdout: 4:03
